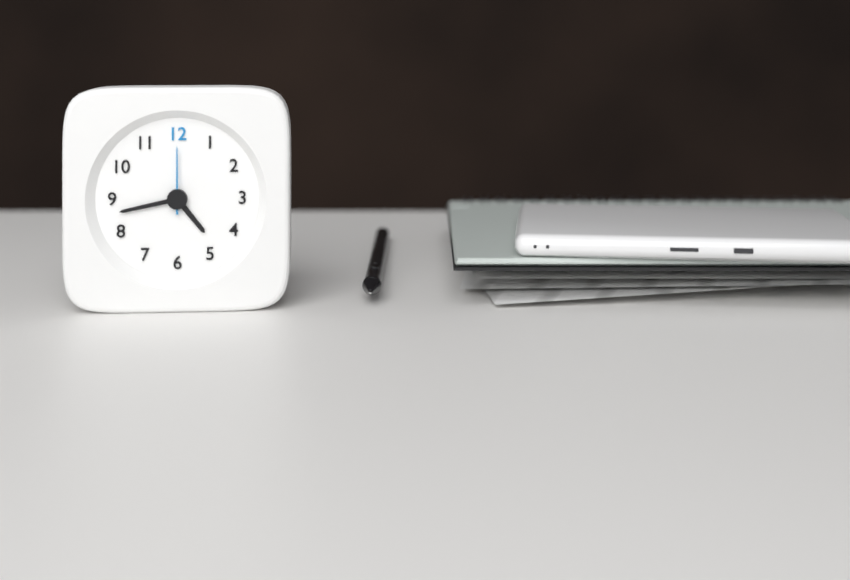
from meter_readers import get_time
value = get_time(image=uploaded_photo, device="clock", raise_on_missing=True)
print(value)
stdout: 4:43:00
